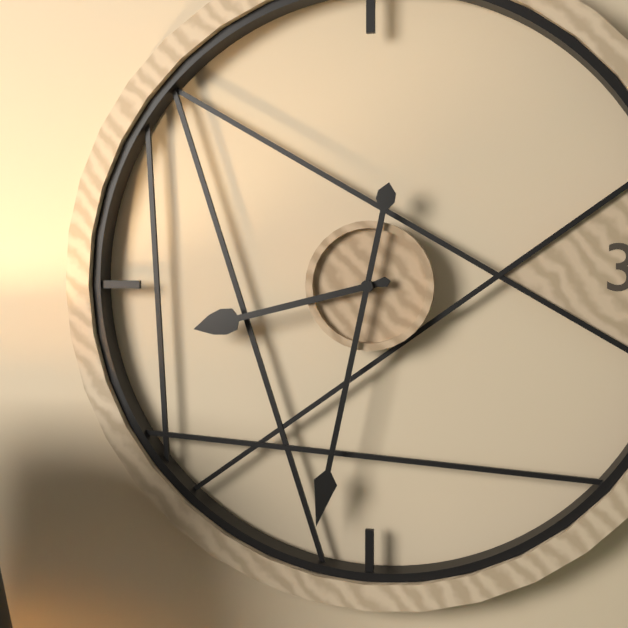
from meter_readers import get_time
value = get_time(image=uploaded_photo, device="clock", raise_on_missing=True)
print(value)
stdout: 8:32
